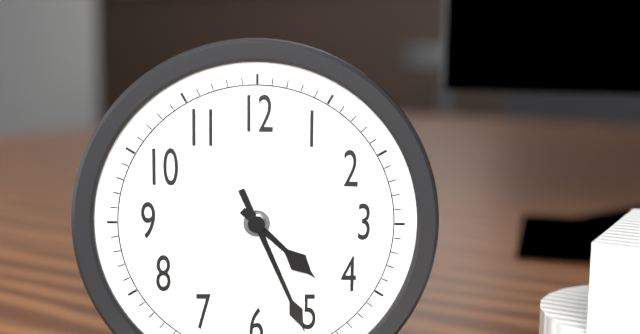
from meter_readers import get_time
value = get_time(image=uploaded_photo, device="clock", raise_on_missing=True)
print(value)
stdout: 4:26
